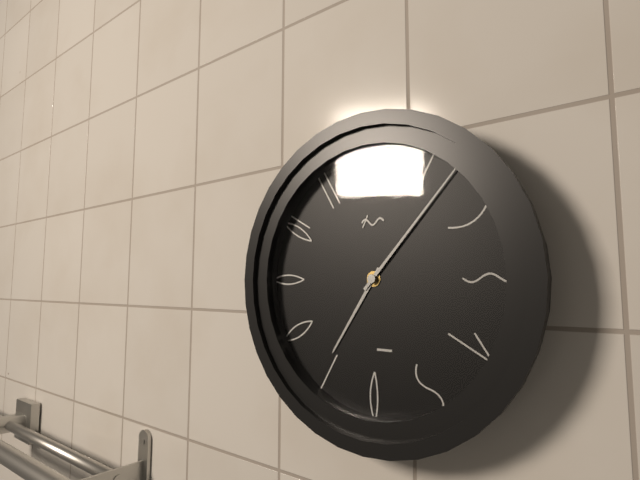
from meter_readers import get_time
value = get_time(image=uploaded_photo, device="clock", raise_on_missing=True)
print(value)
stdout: 7:07
